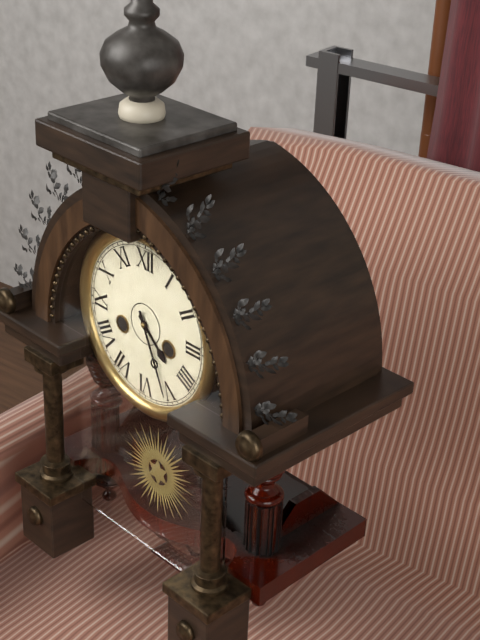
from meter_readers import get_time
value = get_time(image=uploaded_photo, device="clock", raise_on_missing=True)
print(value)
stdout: 4:26
